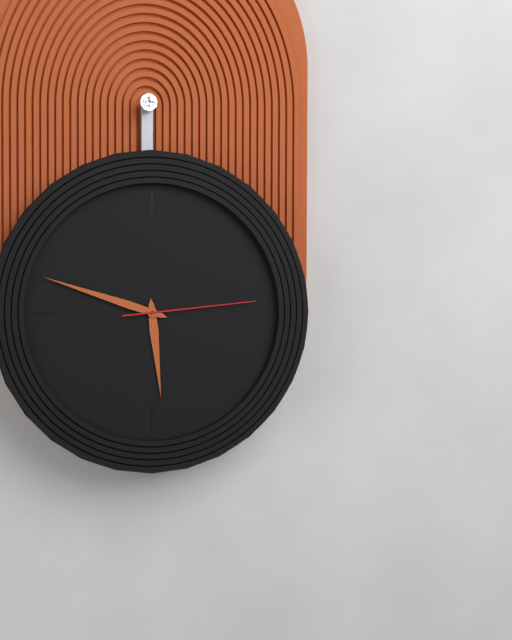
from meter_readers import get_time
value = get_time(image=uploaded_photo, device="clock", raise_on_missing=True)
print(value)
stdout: 5:48:14
